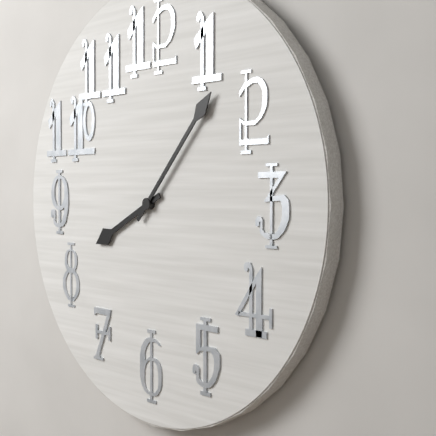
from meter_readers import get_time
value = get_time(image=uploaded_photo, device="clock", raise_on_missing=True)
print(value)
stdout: 8:07
